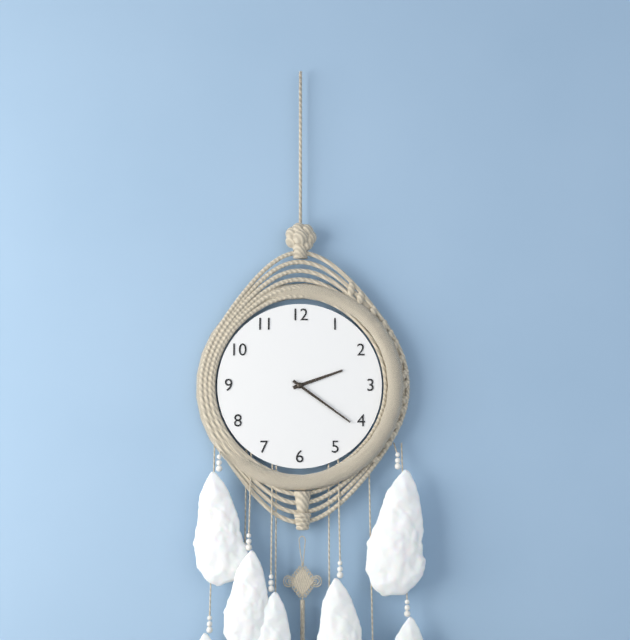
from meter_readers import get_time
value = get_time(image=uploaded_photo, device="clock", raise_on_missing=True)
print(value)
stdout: 2:21
